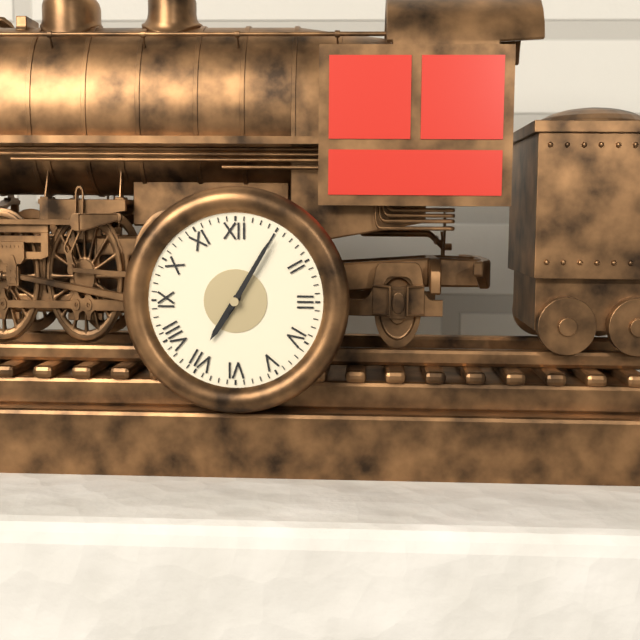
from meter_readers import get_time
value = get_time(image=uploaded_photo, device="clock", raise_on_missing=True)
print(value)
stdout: 7:05
